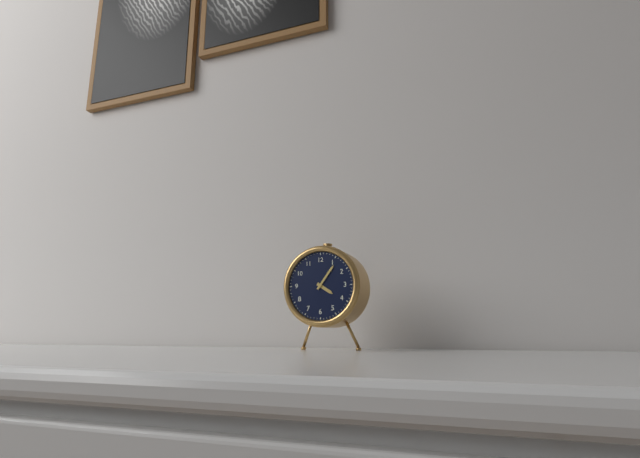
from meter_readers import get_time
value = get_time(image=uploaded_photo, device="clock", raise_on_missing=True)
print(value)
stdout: 4:06
